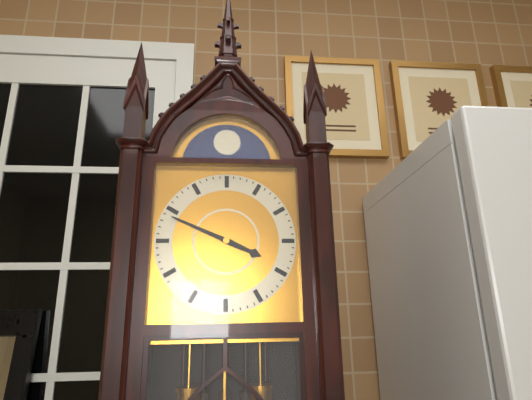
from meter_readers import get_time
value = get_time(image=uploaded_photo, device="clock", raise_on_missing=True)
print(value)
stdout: 3:49
